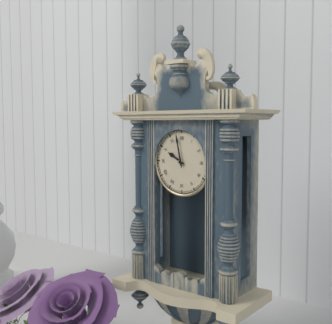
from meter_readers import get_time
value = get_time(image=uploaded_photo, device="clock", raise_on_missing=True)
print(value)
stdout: 9:58
